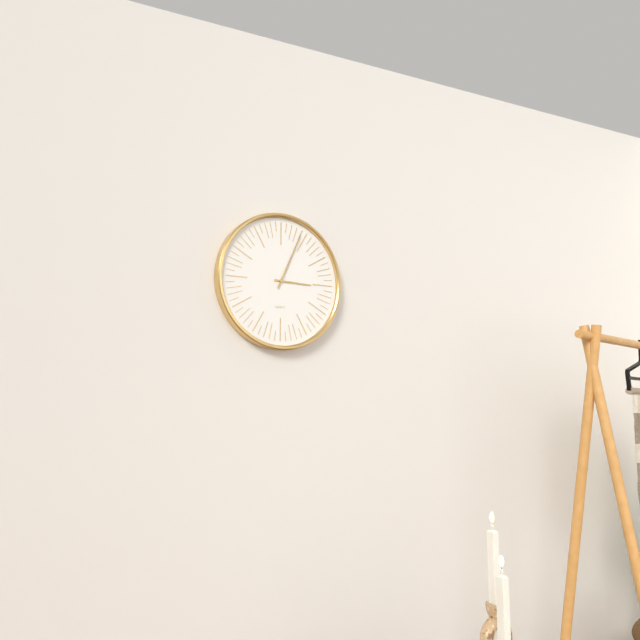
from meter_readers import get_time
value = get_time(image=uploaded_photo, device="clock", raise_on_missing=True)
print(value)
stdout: 3:04
